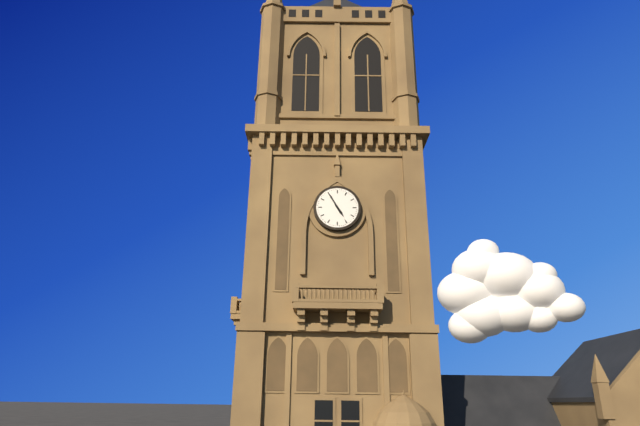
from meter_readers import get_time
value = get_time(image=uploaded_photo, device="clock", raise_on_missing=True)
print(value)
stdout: 4:55
